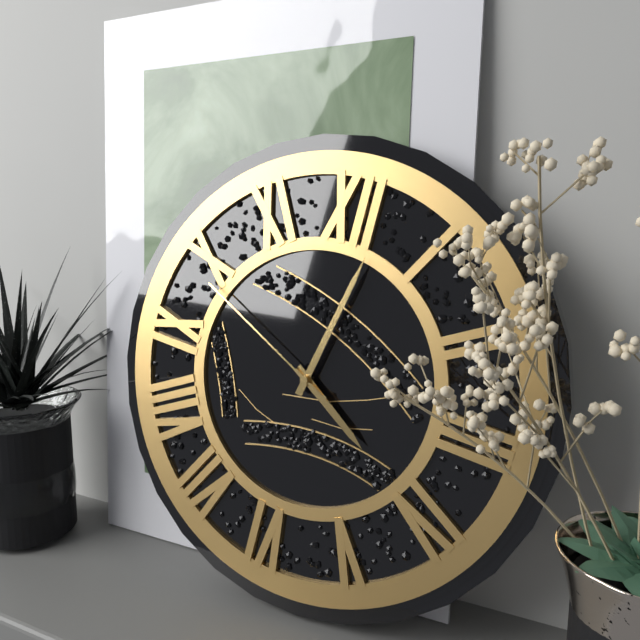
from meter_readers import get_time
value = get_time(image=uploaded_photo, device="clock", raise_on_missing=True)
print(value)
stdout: 4:02:49
